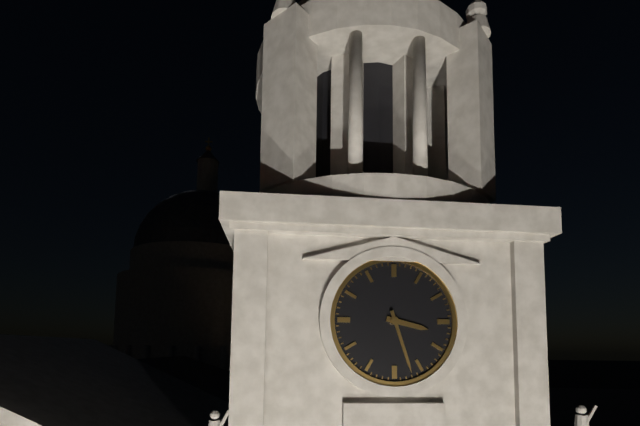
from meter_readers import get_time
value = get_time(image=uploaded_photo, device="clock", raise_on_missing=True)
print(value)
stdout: 3:27
